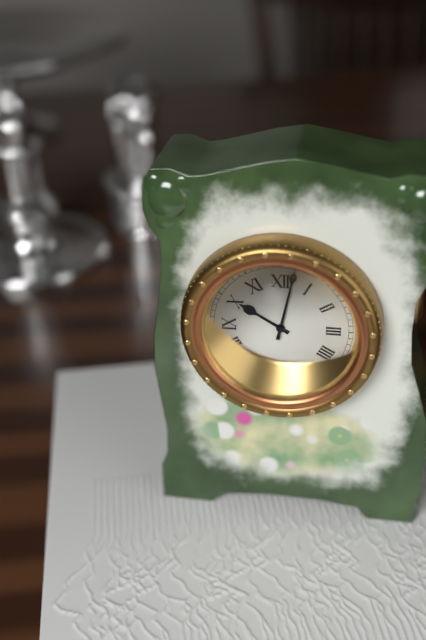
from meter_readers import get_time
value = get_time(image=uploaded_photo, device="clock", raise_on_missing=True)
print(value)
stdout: 10:02
